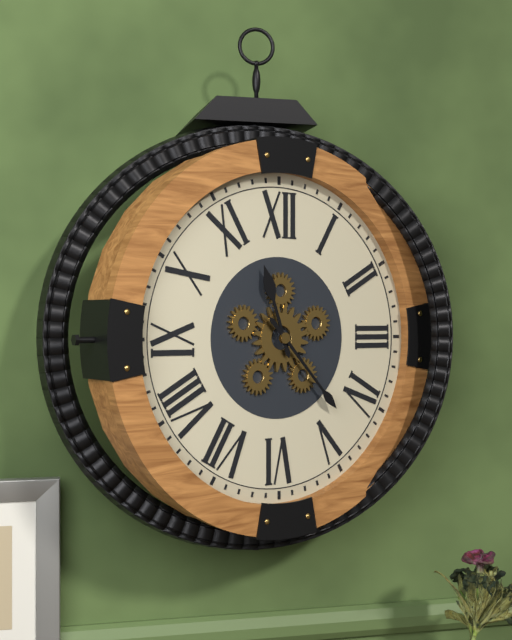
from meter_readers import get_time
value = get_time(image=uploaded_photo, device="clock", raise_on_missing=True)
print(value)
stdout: 11:23
